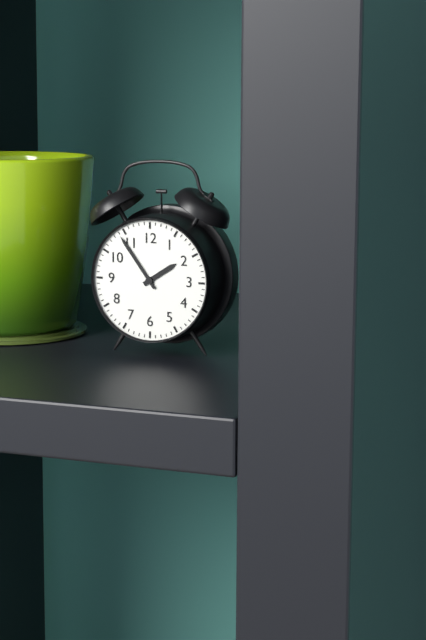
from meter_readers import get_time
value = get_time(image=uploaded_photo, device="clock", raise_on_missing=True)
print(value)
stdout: 1:54
